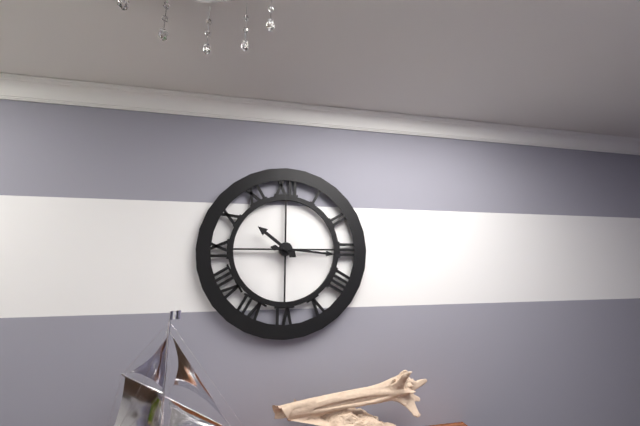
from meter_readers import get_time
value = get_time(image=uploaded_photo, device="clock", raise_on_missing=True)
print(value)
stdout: 10:16
